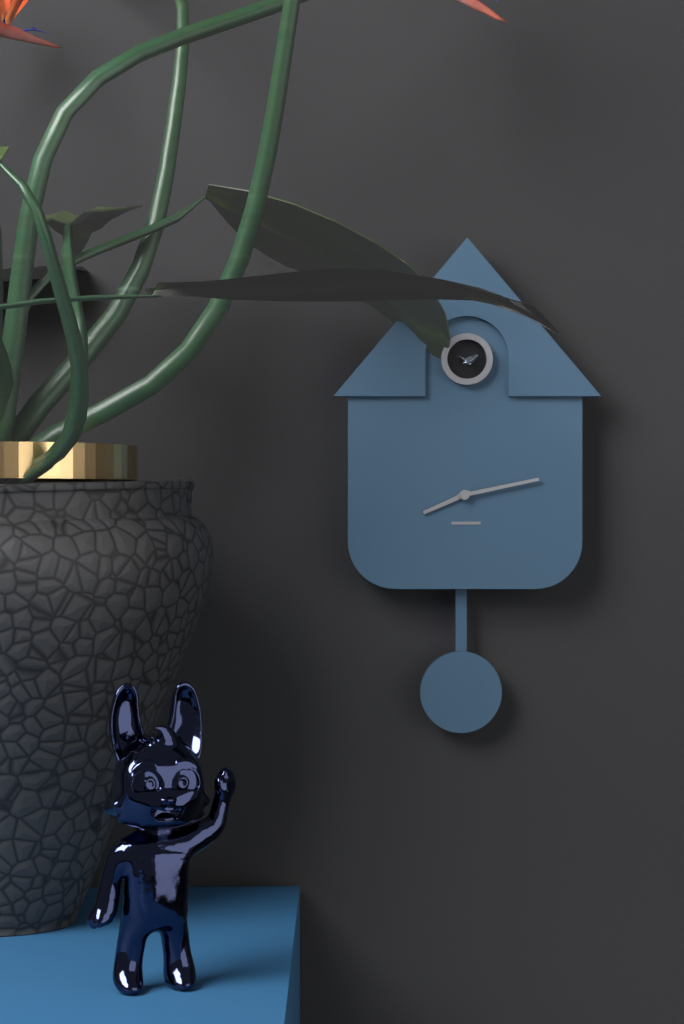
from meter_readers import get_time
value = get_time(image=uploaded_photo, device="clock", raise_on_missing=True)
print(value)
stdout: 8:13
